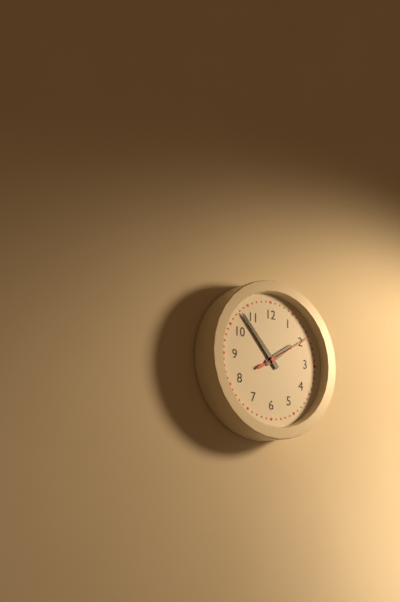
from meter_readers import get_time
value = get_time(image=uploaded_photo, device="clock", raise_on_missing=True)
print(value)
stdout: 1:53:10
